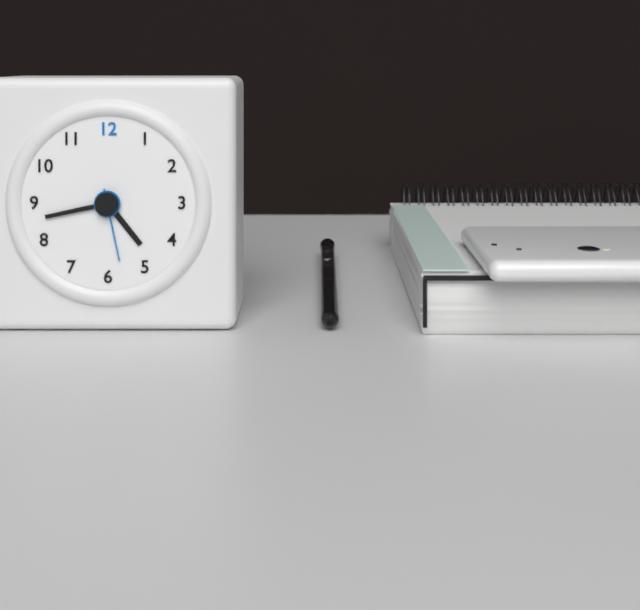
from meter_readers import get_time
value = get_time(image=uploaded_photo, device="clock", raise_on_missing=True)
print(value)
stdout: 4:43:28
